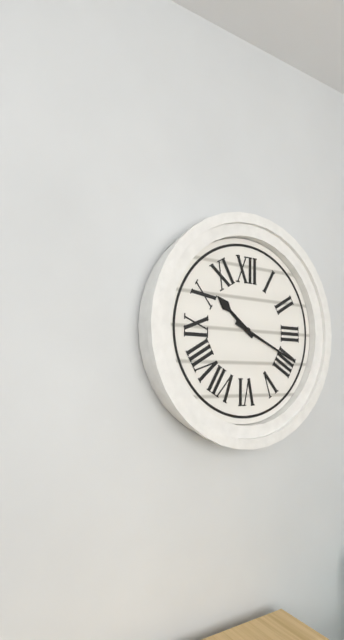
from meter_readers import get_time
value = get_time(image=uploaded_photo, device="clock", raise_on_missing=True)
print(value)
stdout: 10:19
